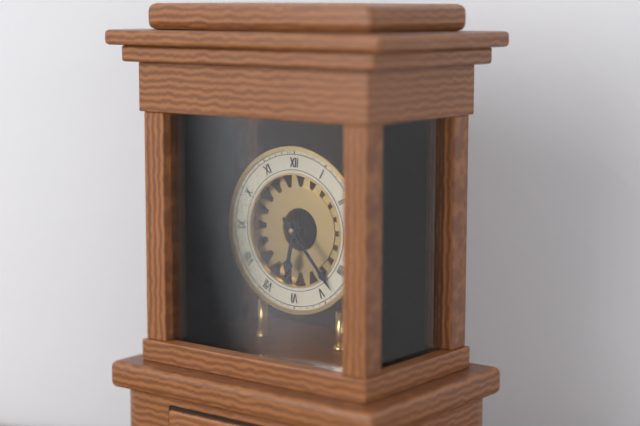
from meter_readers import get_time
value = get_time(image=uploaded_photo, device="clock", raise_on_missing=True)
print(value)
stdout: 6:23
